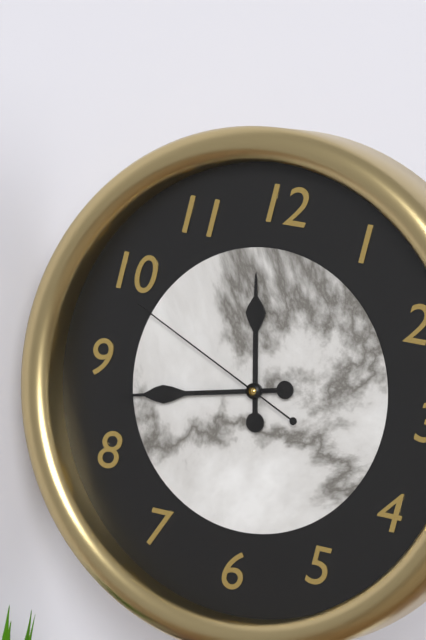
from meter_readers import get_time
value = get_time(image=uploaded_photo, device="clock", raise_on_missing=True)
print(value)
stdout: 11:43:49
